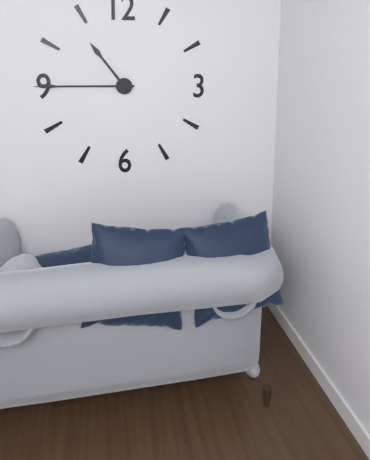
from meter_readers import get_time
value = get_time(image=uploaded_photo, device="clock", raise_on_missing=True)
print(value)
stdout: 10:45
